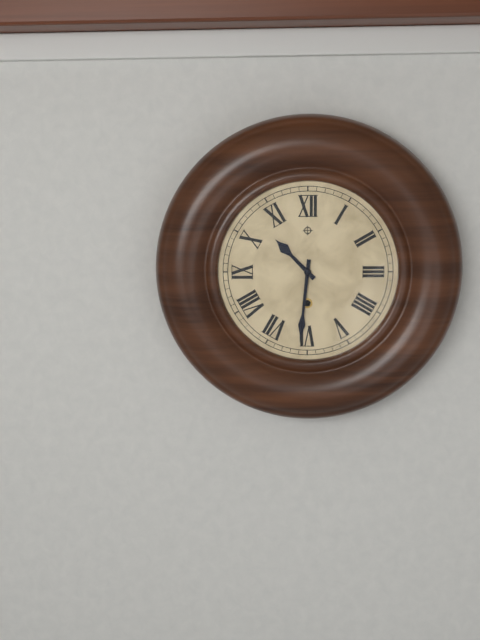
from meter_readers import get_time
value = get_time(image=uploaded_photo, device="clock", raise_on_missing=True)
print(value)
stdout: 10:31
